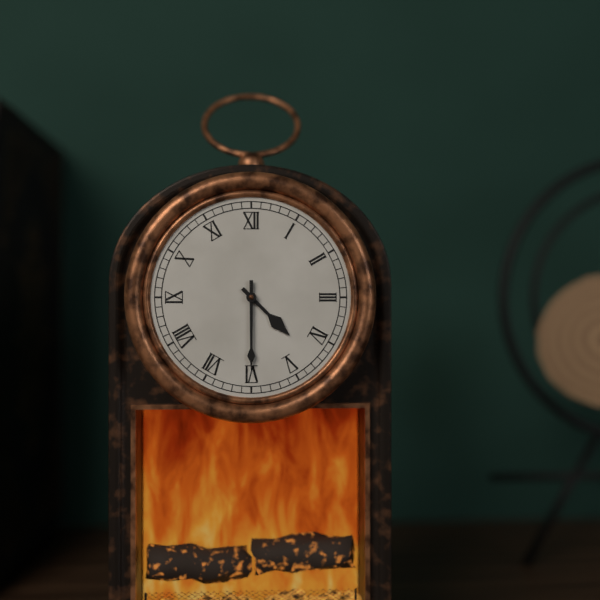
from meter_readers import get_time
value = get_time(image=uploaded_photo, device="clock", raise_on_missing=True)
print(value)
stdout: 4:30
